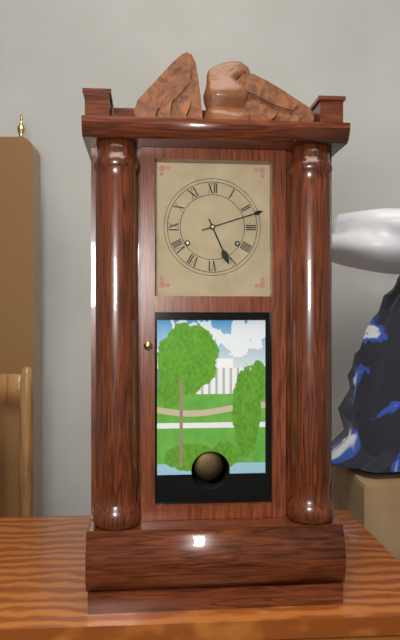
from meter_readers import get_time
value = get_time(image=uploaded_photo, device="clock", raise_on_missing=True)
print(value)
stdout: 5:12
